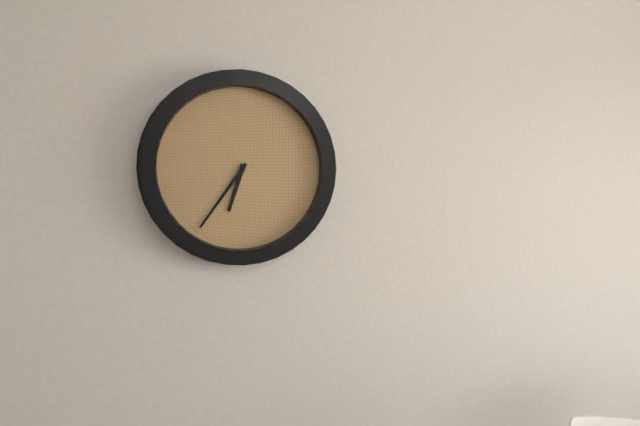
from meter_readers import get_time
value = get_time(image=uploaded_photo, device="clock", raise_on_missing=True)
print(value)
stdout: 6:36
